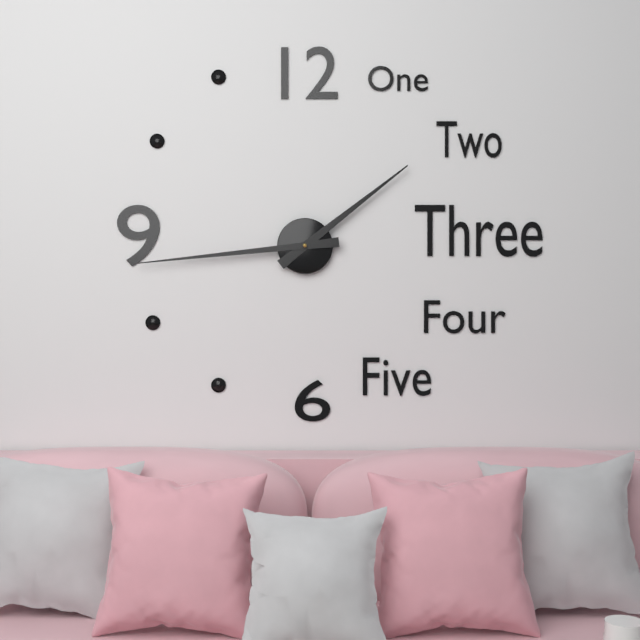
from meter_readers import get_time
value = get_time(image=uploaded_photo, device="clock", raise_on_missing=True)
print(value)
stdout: 1:44
